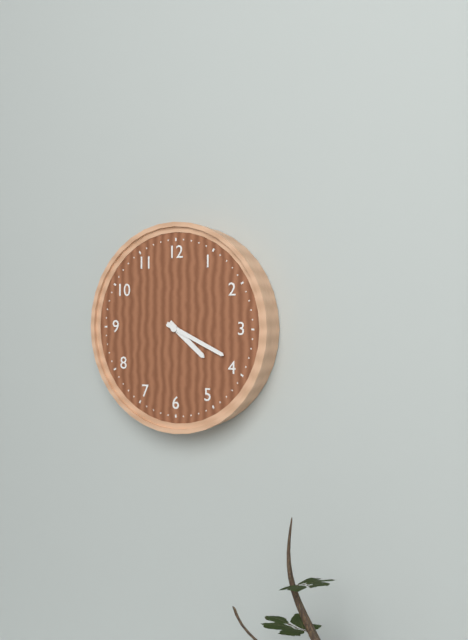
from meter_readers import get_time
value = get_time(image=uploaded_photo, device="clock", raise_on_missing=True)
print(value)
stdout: 4:19
